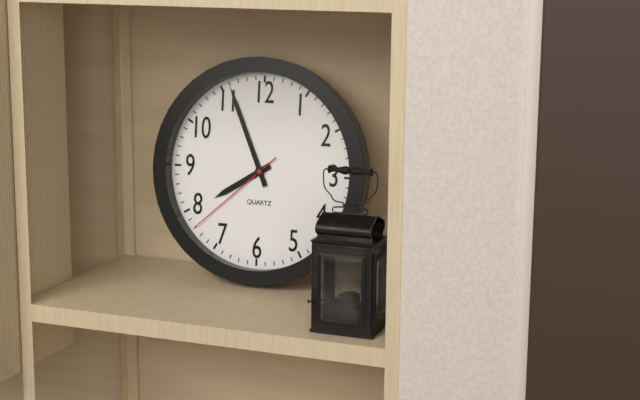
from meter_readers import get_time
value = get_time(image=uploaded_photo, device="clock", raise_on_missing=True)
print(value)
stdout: 7:56:38
